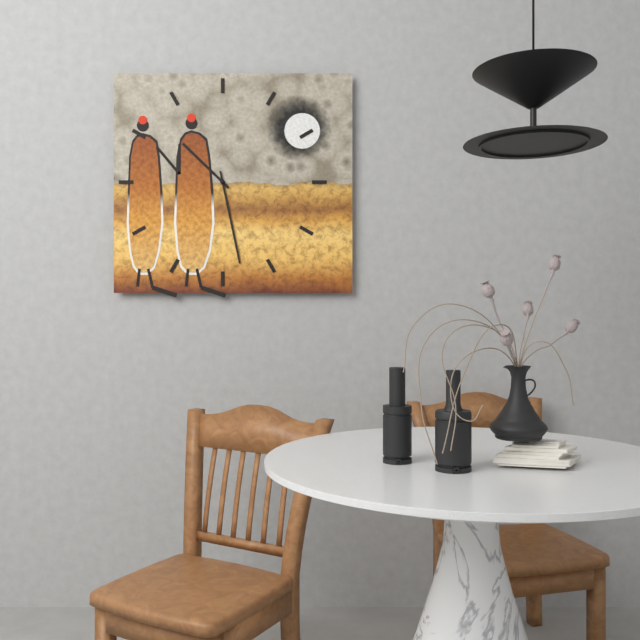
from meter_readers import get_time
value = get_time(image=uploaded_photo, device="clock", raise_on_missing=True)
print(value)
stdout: 10:28
